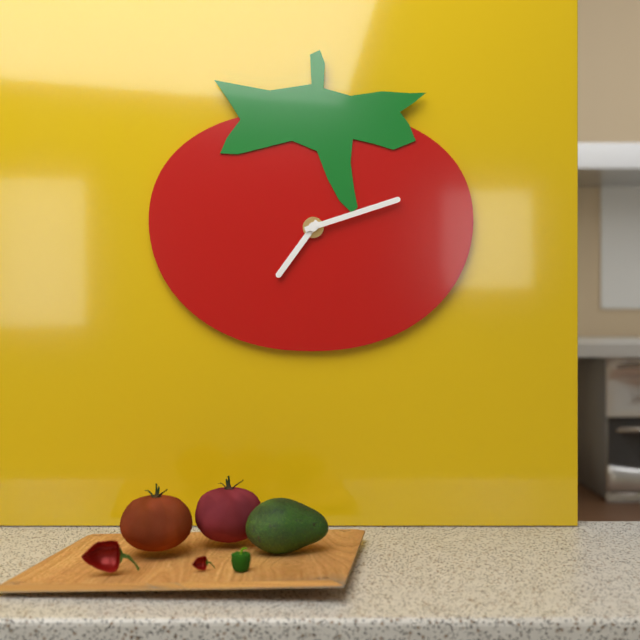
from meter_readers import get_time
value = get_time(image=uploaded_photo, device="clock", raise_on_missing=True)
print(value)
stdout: 7:12
